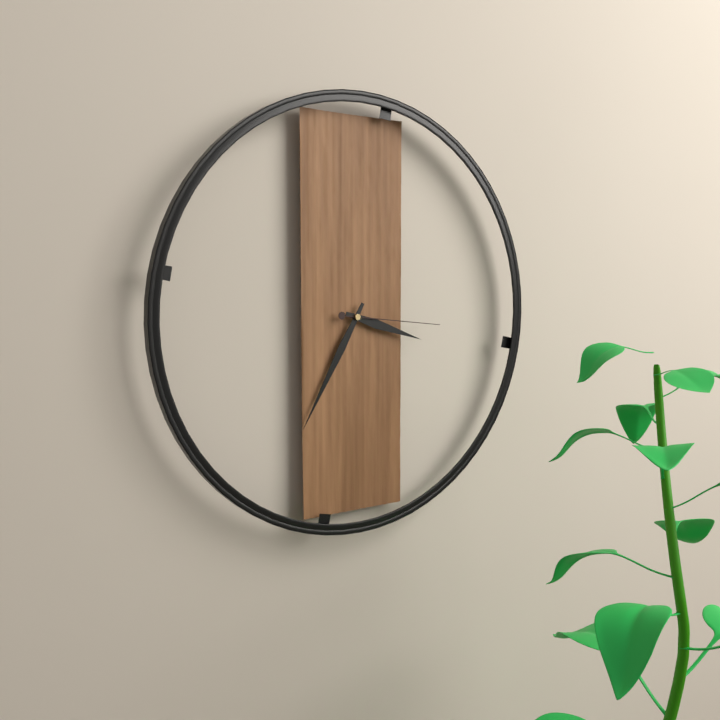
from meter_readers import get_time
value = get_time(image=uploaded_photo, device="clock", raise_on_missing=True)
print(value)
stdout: 3:35:16
